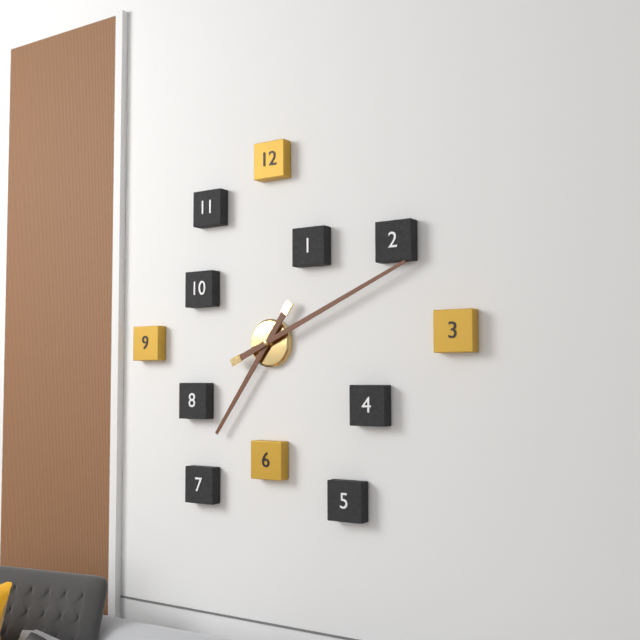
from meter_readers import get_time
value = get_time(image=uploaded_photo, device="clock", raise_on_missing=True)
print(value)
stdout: 7:11
